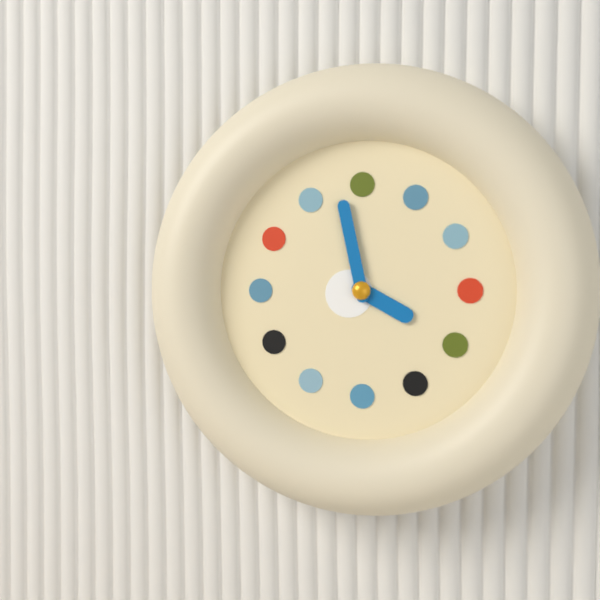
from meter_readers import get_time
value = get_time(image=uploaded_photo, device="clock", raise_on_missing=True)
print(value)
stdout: 3:58
